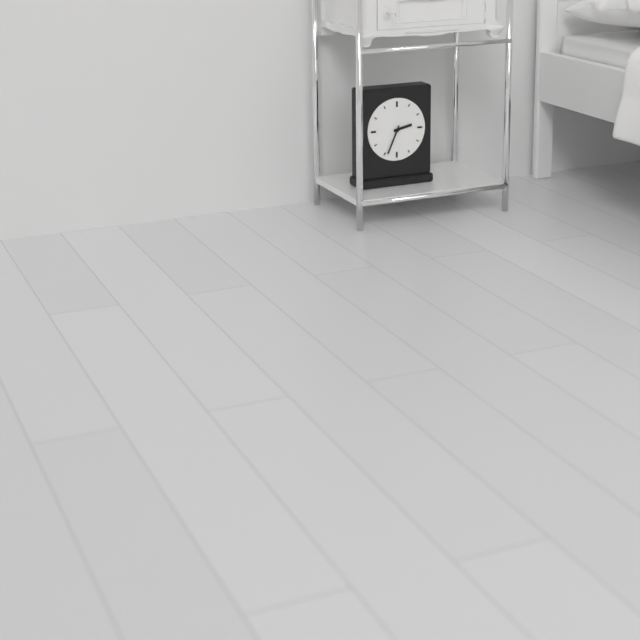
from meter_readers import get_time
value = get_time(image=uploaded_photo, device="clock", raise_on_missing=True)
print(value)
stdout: 2:34
